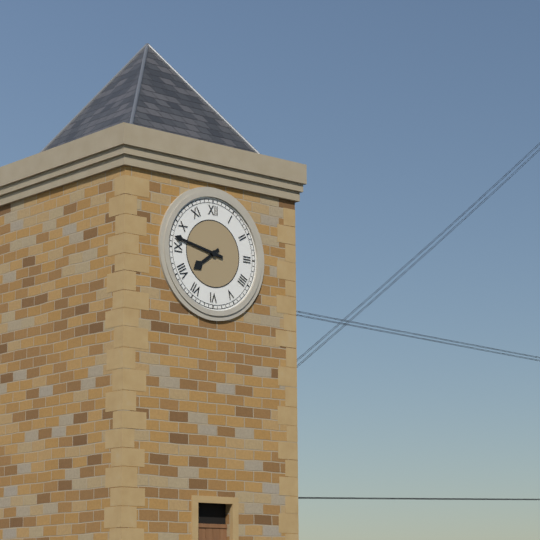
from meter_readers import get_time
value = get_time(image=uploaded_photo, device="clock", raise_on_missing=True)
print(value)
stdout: 7:47
